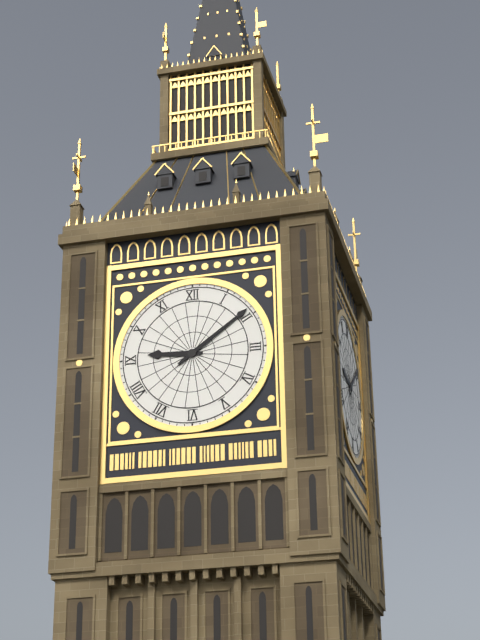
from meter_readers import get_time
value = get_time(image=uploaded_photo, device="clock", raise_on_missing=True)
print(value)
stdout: 9:09
